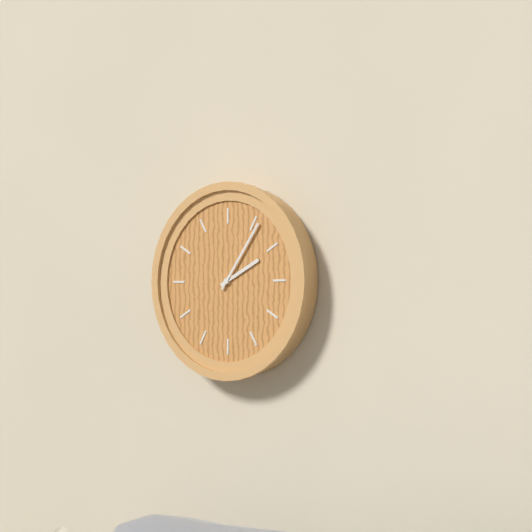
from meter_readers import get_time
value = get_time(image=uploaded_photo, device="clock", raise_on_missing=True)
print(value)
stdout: 2:06
